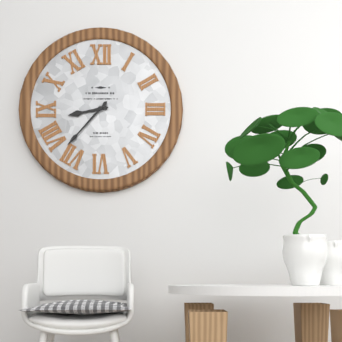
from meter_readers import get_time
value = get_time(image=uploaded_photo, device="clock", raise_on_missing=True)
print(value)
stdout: 8:37
